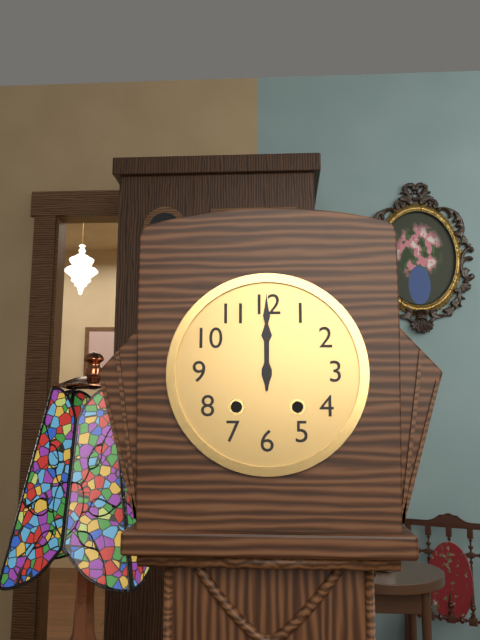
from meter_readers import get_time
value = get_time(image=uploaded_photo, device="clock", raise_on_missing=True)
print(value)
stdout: 12:00
